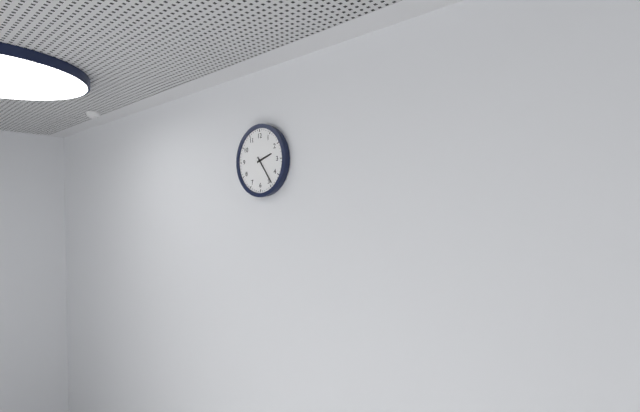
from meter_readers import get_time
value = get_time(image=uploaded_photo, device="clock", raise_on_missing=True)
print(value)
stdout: 2:24
